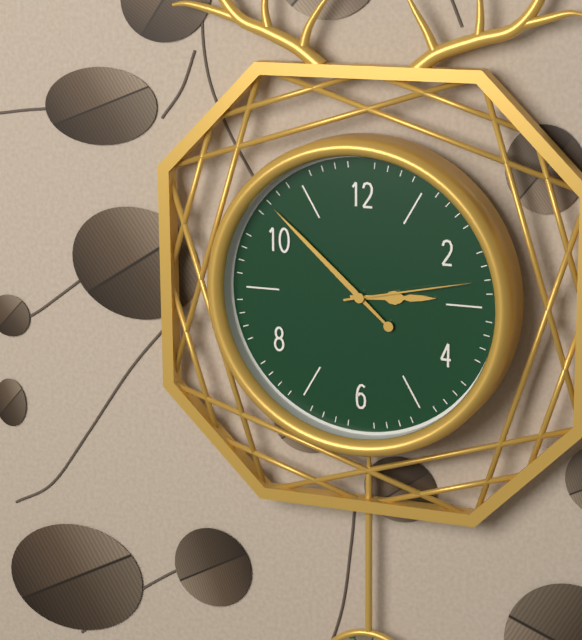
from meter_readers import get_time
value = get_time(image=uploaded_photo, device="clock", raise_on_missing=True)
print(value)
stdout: 2:52:13
